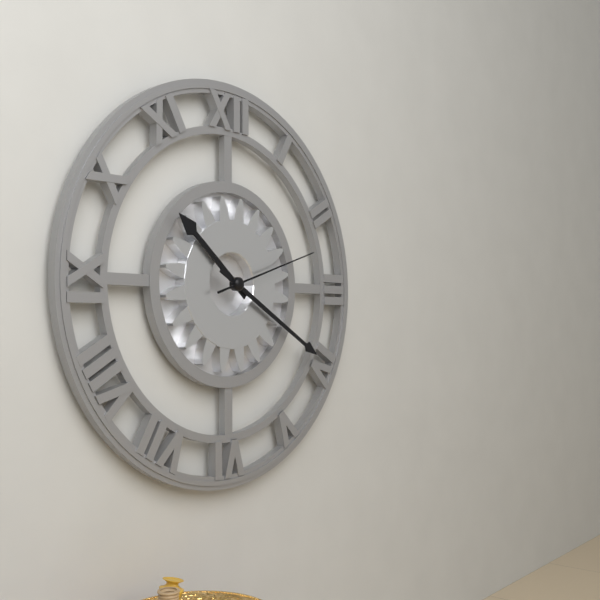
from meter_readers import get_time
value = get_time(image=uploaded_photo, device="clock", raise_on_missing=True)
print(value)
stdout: 10:20:12
